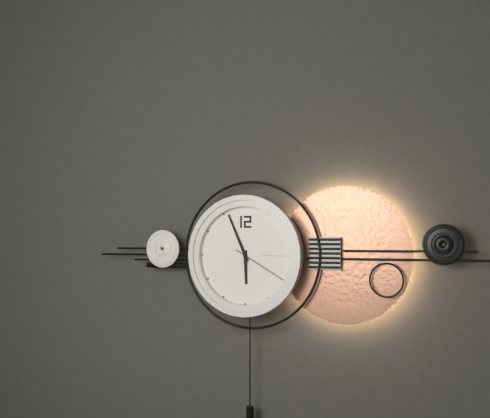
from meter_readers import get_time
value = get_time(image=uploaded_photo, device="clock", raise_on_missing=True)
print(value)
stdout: 5:56:20
